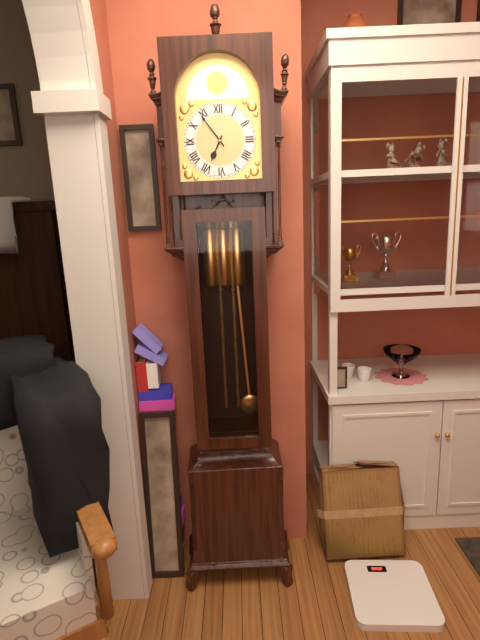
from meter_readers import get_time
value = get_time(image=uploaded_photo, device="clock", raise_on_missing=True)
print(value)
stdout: 6:54
